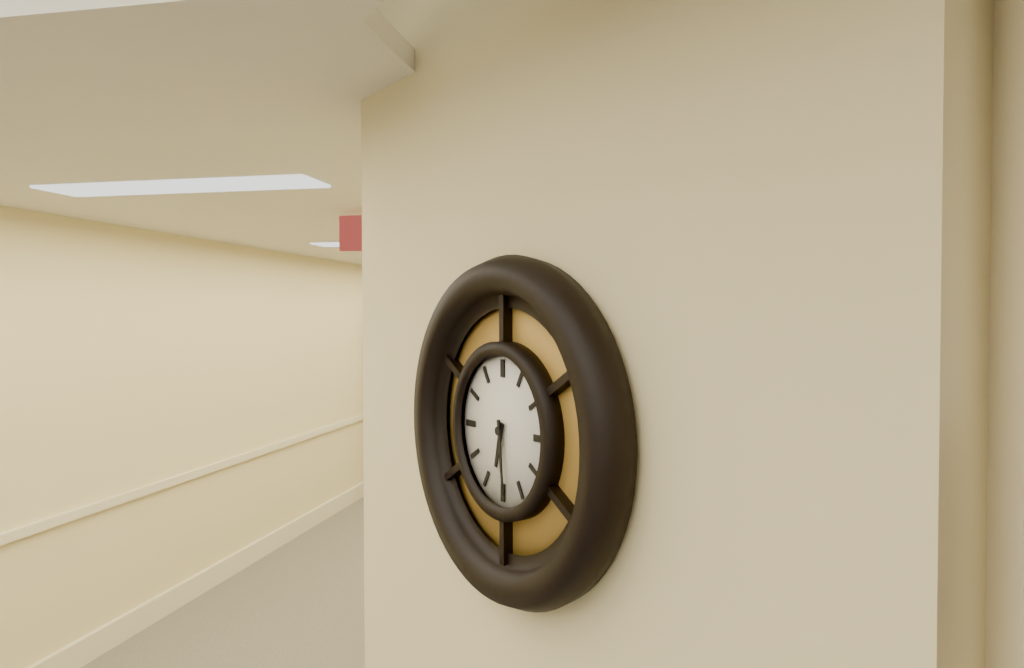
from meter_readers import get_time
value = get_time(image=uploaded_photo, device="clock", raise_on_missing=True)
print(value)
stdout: 6:29
